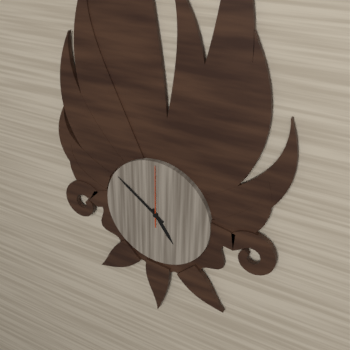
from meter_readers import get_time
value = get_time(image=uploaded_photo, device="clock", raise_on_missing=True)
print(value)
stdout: 4:51:00
